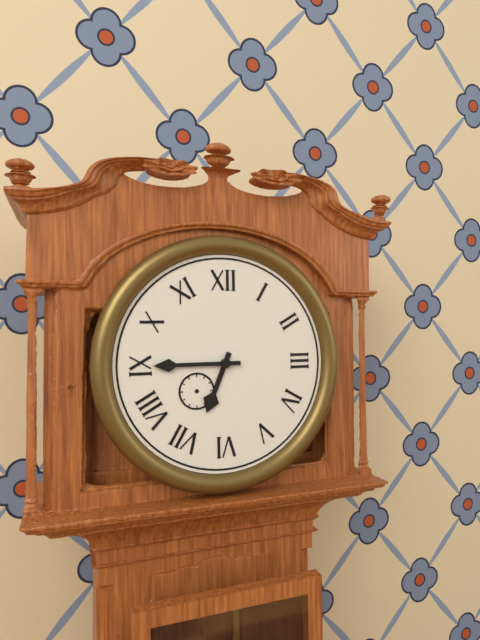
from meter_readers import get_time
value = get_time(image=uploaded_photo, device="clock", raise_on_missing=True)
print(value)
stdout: 6:45
